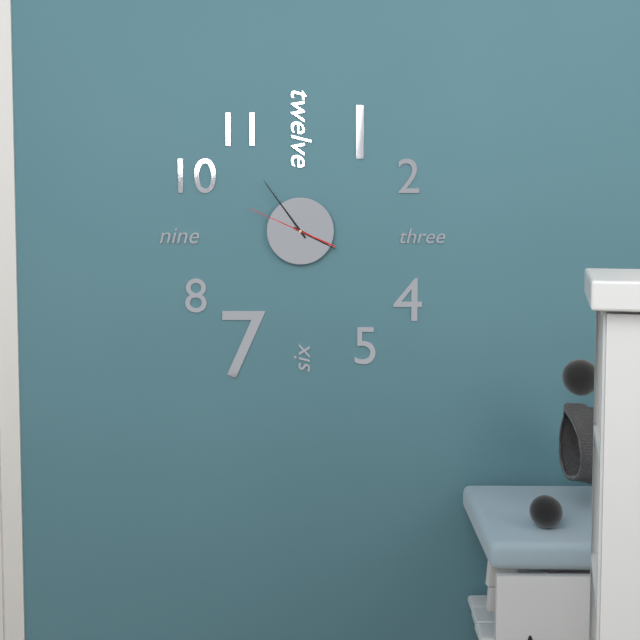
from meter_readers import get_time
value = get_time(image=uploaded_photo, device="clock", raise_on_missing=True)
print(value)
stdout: 3:54:49
